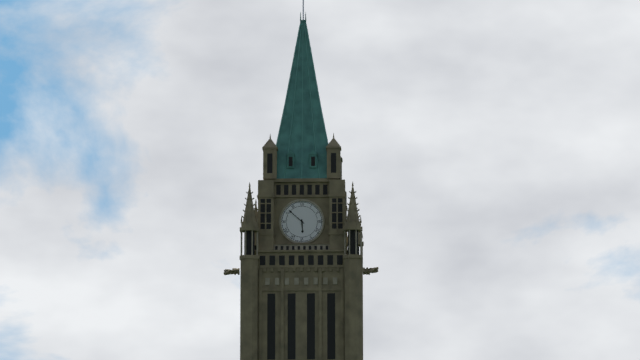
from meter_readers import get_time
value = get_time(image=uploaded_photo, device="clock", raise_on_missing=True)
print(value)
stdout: 5:52
